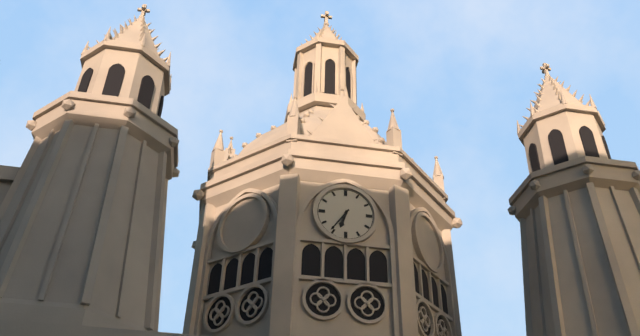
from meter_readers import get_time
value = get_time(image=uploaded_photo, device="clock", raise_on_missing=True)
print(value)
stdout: 6:36
